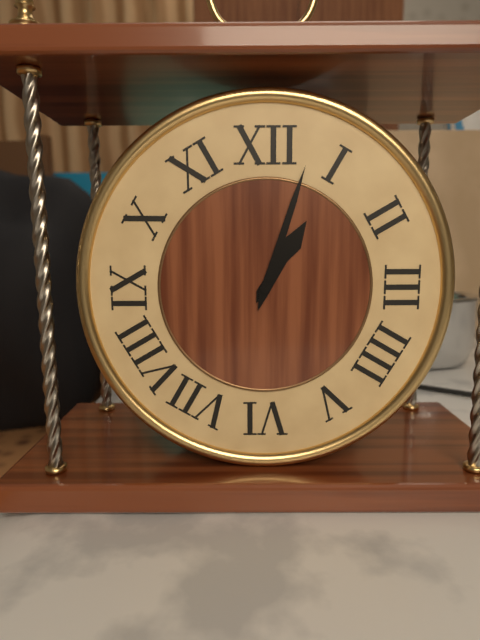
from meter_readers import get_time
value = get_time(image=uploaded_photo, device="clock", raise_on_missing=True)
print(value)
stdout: 1:03
